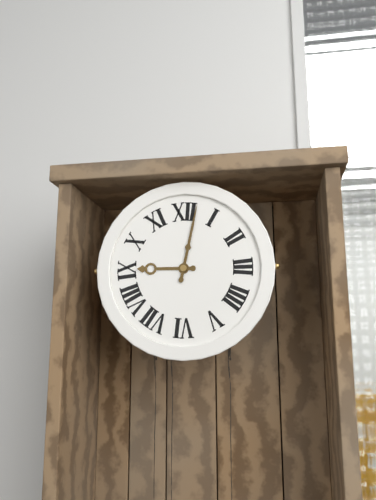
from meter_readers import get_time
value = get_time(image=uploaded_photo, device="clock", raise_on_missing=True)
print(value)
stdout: 9:02
